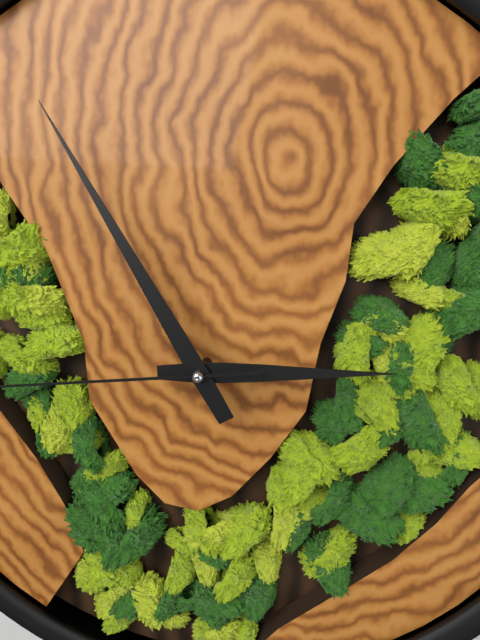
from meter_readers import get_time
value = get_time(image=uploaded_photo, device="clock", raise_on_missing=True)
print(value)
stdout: 2:55
